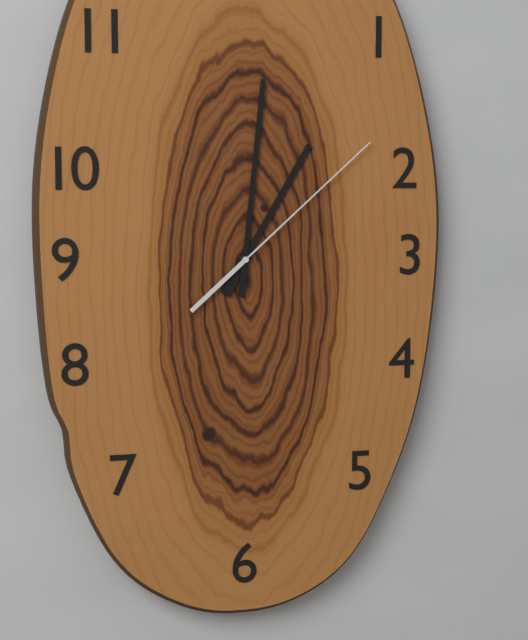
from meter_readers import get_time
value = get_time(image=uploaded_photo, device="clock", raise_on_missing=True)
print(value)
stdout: 1:01:08
